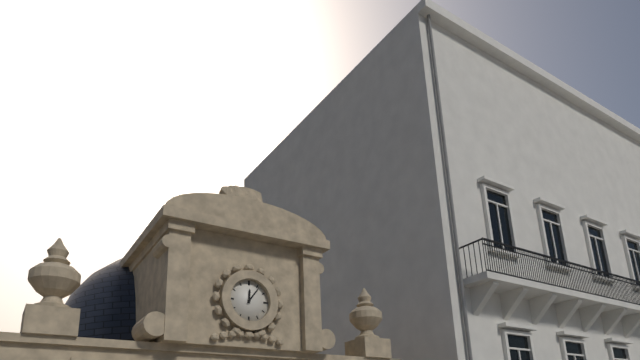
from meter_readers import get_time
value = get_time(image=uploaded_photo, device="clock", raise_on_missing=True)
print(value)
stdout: 12:06
